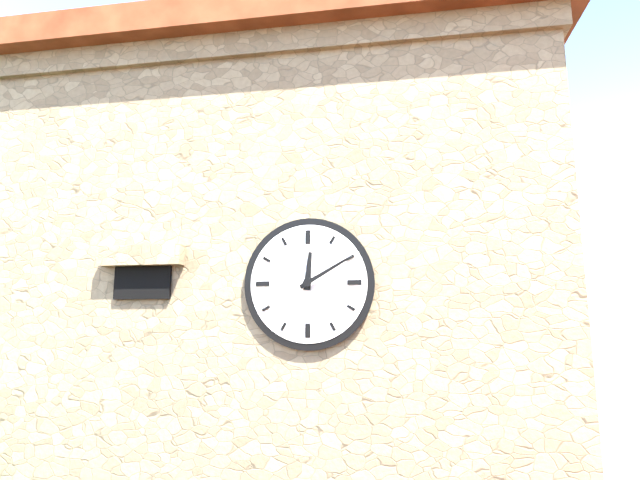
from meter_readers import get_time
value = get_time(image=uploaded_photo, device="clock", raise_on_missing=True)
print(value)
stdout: 12:10
